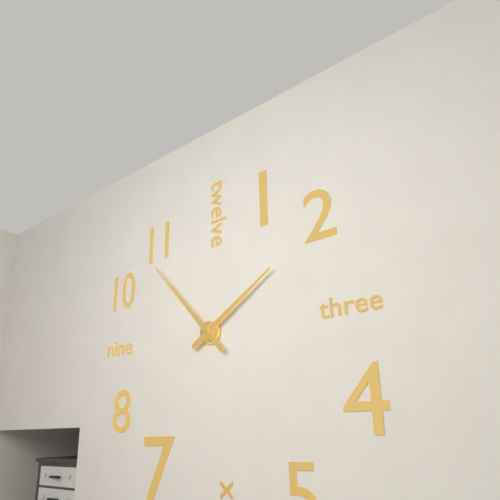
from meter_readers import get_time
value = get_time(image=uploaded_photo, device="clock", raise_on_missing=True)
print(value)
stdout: 1:53
